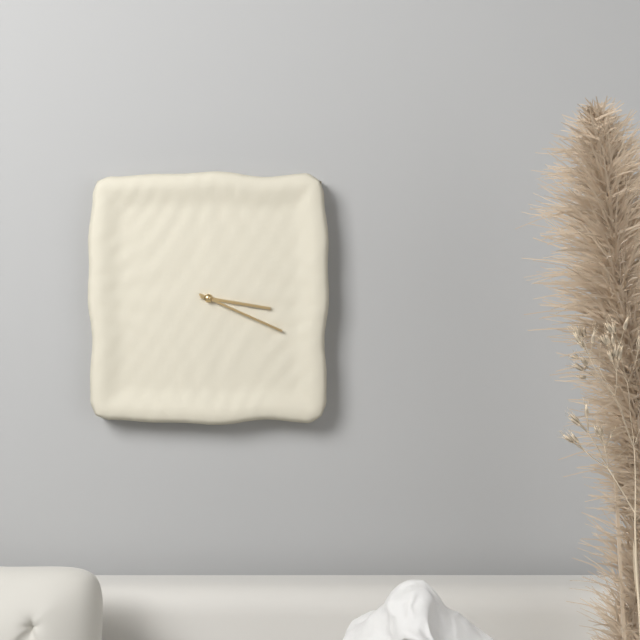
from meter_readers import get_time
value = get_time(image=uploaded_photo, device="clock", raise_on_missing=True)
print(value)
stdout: 3:19
